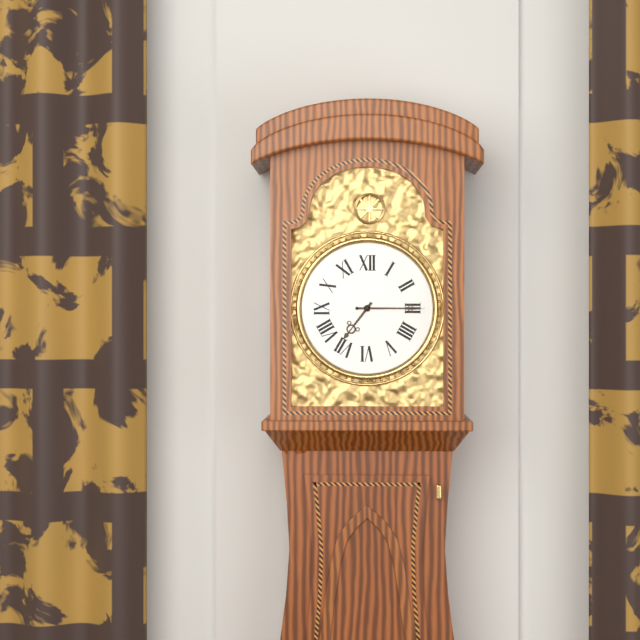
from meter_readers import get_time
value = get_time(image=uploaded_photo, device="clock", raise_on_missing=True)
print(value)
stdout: 7:15
